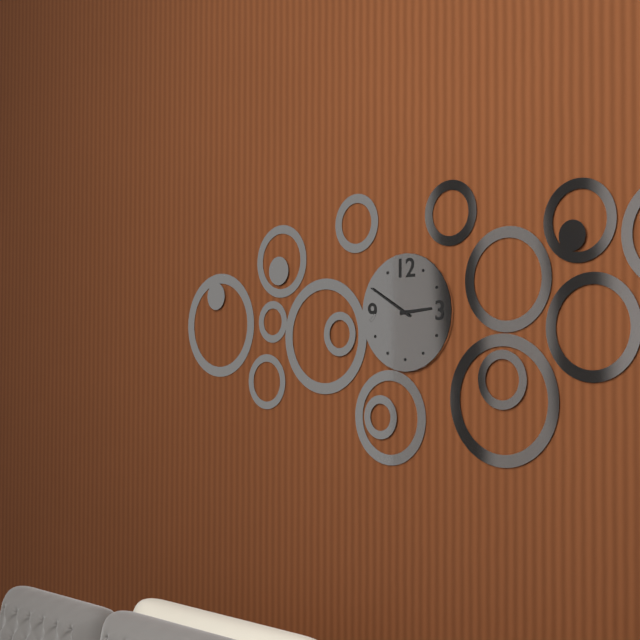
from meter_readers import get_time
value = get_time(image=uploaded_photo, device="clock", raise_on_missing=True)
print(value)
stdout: 2:50
